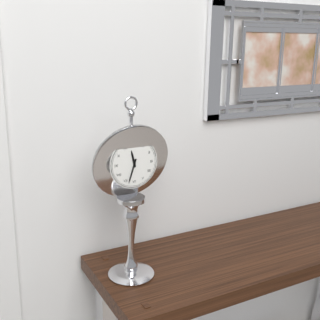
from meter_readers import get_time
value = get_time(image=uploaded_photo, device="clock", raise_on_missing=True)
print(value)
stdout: 11:33
